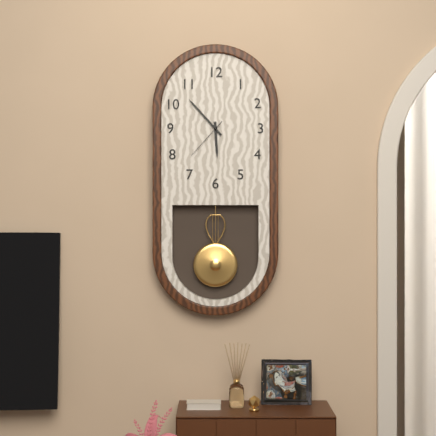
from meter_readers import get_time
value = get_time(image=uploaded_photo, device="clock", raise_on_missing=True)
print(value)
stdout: 5:53
